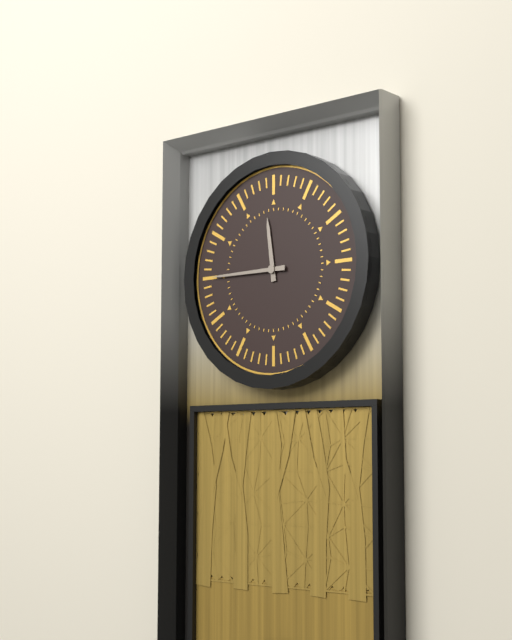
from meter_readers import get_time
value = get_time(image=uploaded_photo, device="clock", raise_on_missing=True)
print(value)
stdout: 11:45
